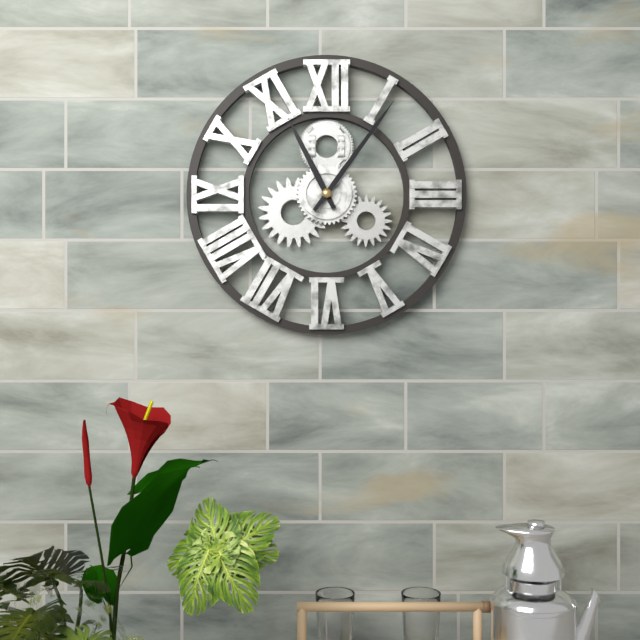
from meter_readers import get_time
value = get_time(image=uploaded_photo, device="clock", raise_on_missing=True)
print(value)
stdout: 11:06
